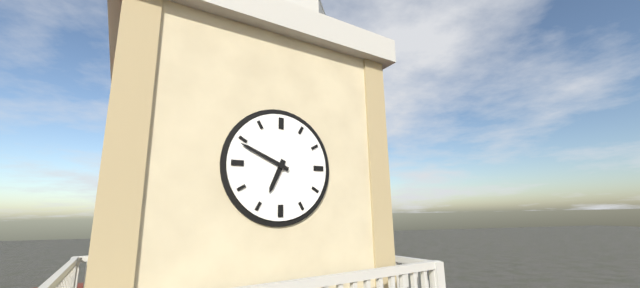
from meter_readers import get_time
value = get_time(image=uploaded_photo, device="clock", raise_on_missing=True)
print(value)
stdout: 6:49
